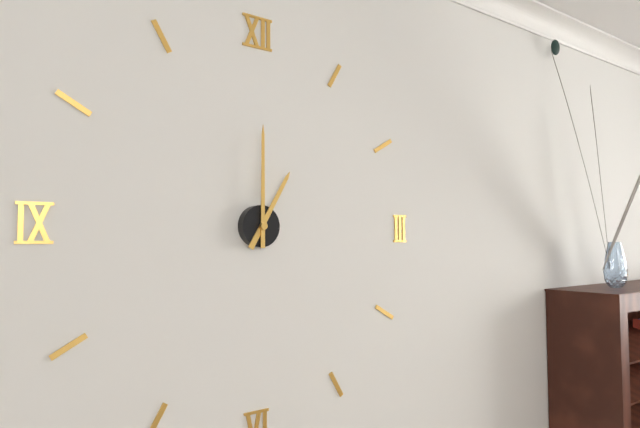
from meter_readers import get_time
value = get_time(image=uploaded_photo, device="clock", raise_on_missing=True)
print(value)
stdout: 1:00
